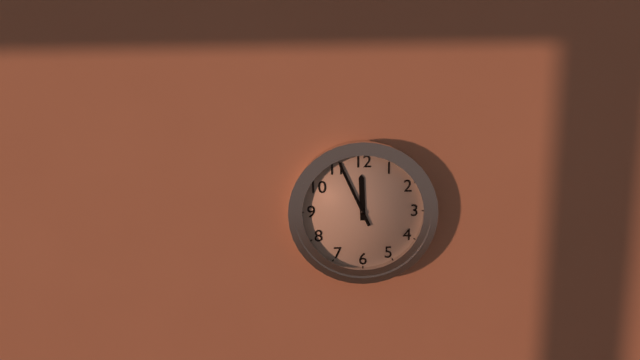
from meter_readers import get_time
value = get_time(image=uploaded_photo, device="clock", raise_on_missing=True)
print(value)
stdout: 11:56
